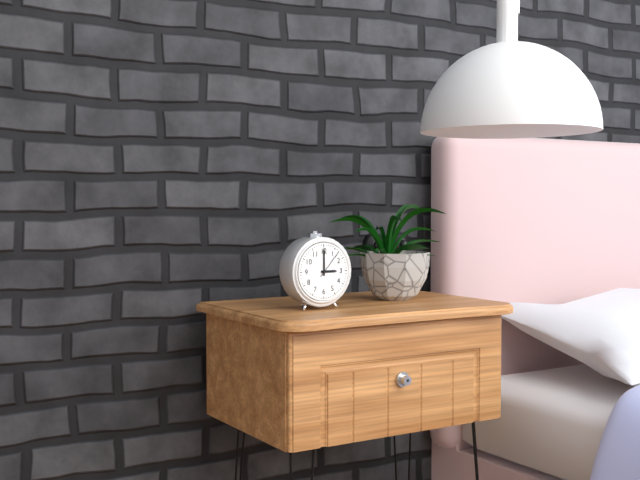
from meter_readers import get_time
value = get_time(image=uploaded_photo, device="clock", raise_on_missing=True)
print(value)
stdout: 3:00
